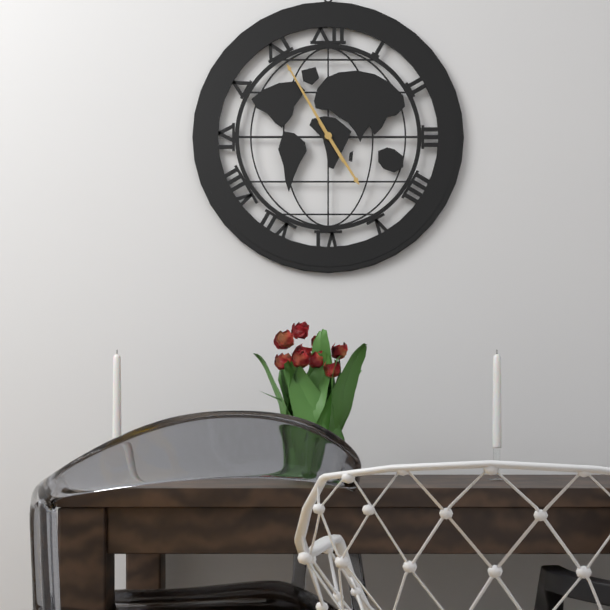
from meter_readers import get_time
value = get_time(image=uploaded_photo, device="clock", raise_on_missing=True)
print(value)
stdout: 4:55
